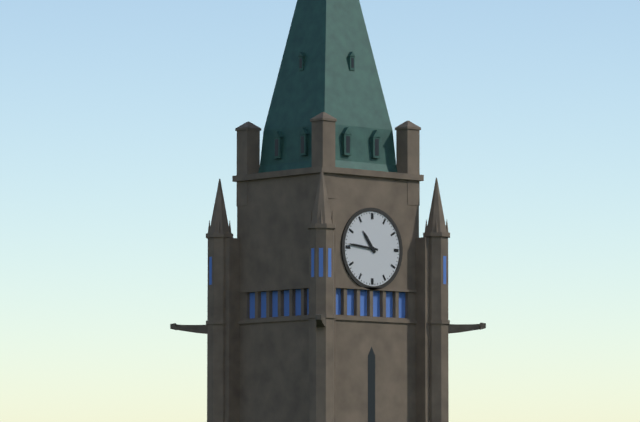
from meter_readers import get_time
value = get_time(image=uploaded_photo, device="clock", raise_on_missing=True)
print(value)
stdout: 10:46
